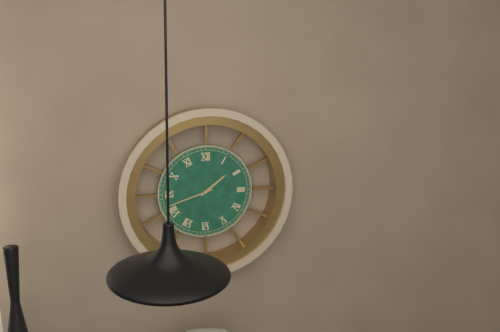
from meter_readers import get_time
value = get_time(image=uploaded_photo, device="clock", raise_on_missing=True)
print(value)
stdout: 1:42
